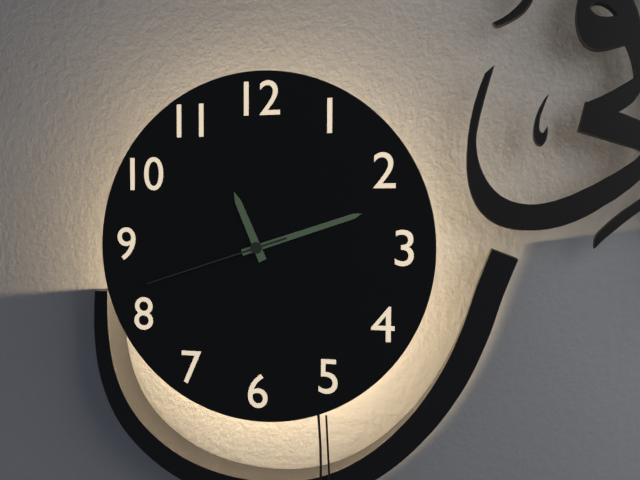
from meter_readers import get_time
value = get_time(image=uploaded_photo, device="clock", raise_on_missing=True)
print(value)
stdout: 11:12:42
